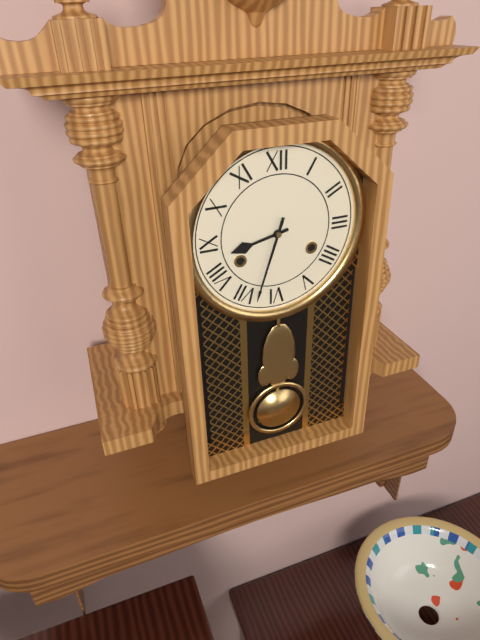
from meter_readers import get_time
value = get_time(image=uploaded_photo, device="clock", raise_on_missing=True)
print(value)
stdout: 8:33
